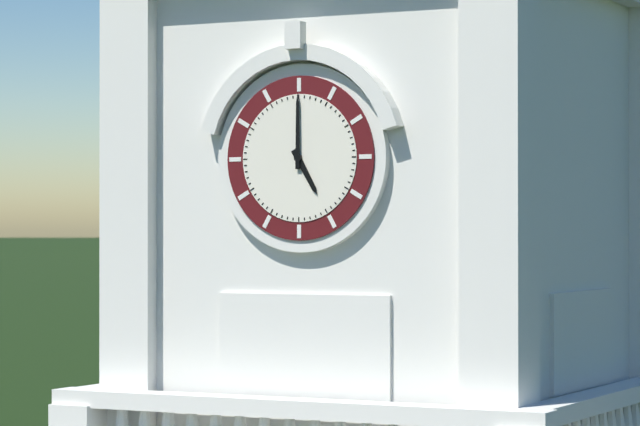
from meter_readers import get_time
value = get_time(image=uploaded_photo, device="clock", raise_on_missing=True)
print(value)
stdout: 5:00
